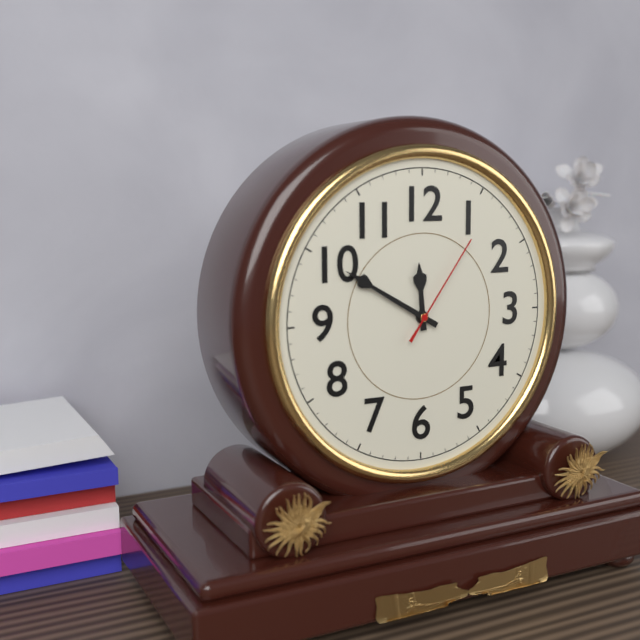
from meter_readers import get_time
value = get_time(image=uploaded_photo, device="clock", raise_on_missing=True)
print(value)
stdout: 11:50:06
